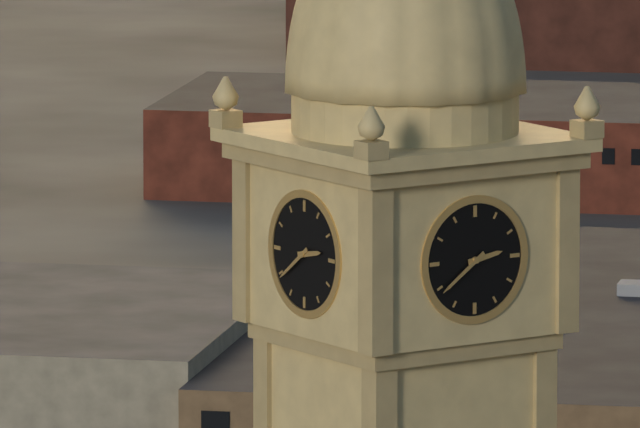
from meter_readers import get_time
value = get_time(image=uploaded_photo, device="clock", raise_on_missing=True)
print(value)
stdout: 2:39
